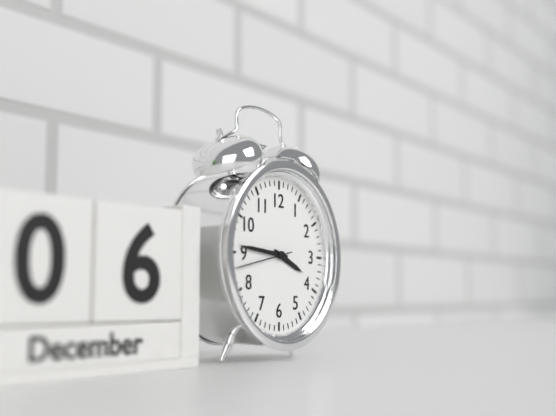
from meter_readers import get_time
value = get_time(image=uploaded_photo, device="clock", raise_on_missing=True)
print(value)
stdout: 3:46:43
